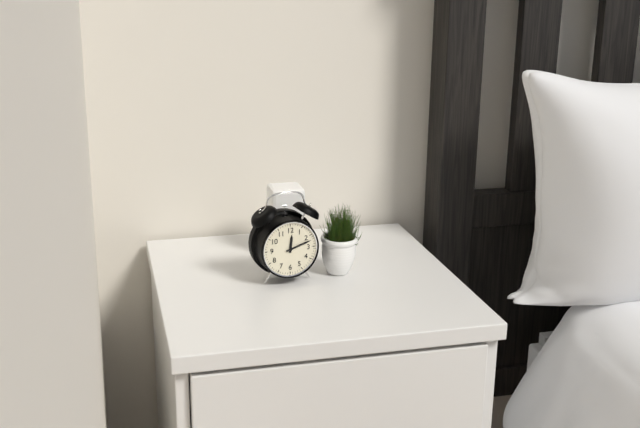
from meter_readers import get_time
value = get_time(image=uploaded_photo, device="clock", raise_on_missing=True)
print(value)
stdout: 12:12
